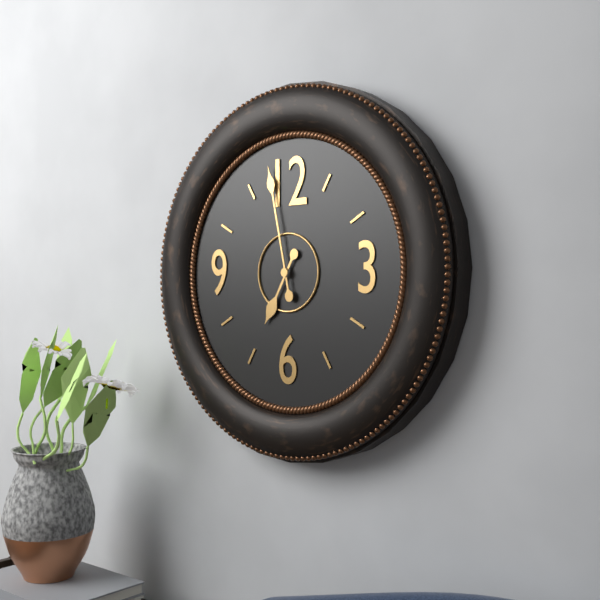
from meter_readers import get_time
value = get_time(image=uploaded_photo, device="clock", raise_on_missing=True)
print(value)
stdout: 6:58
